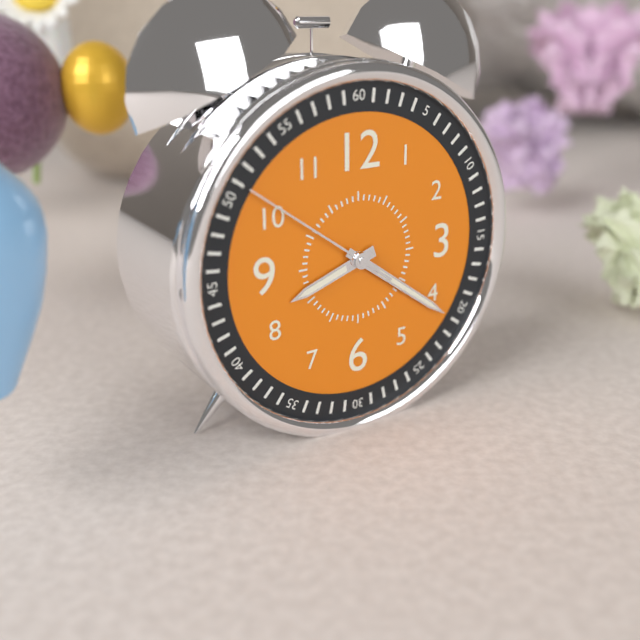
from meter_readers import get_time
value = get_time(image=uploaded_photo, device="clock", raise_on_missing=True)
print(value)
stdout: 8:21:51
